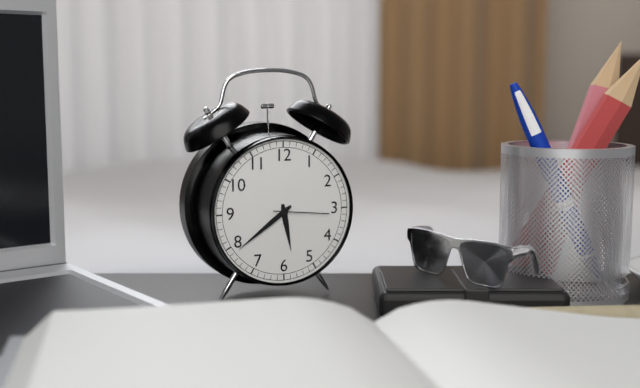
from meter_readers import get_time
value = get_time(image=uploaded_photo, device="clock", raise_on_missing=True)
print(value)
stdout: 5:39:16
